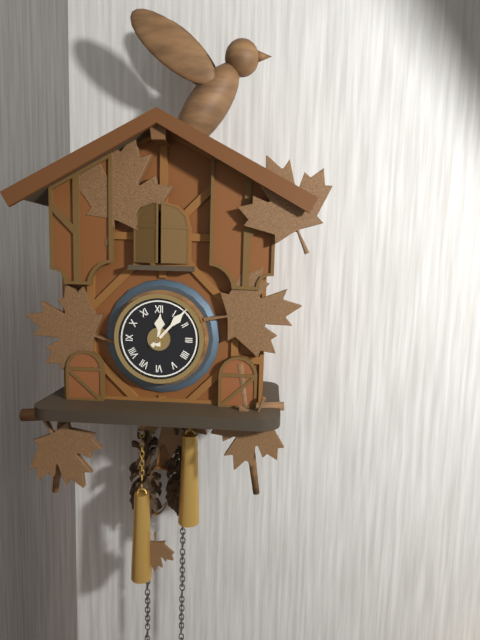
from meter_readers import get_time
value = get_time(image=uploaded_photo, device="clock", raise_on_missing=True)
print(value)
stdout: 12:07
